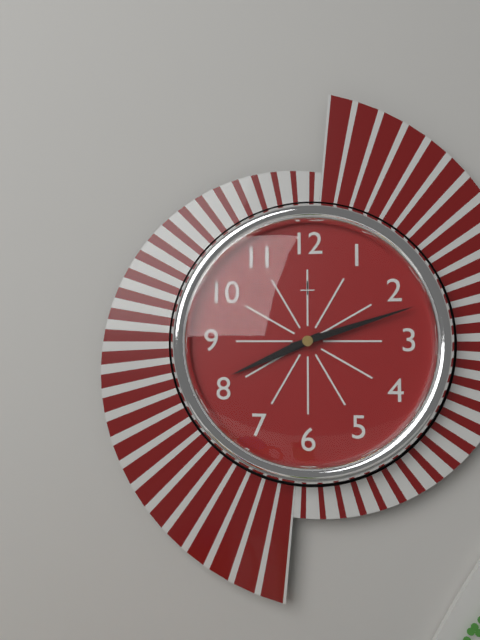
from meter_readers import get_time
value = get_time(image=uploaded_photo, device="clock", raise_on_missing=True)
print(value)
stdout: 8:12
